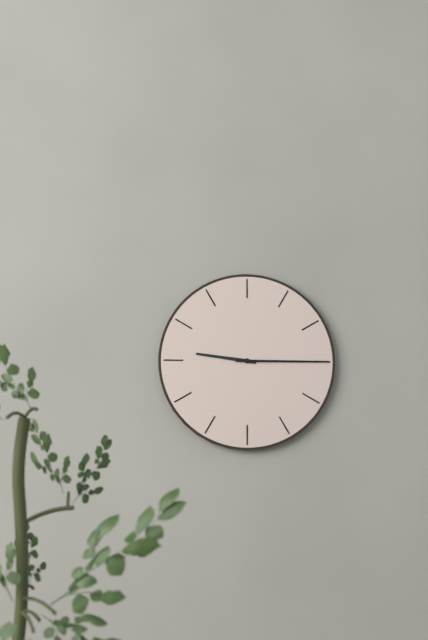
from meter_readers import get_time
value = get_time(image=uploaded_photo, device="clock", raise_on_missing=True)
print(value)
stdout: 9:15
